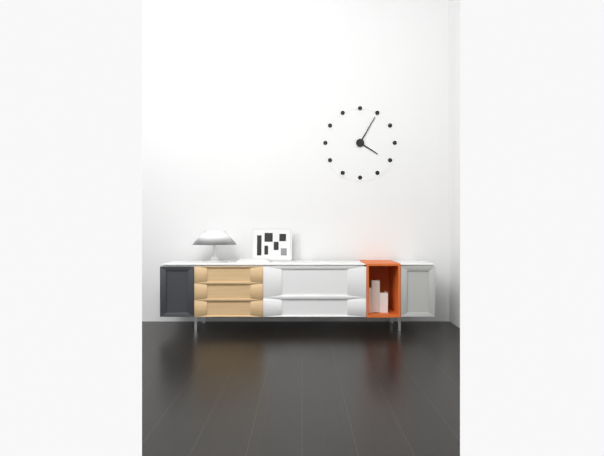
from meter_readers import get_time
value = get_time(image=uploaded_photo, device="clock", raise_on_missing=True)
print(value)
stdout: 4:05
